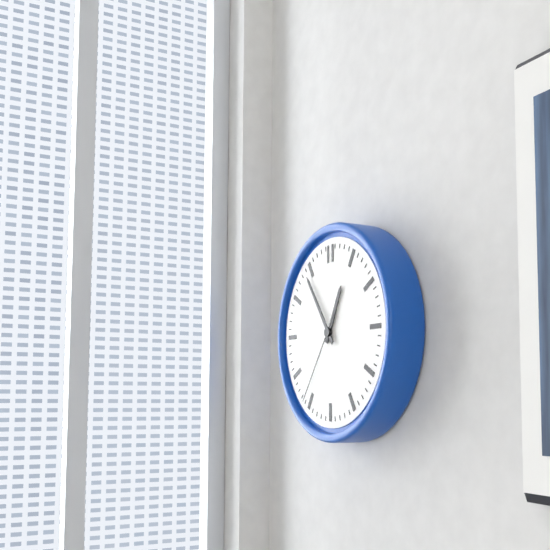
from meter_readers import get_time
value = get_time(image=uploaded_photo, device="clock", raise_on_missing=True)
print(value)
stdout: 12:54:36
